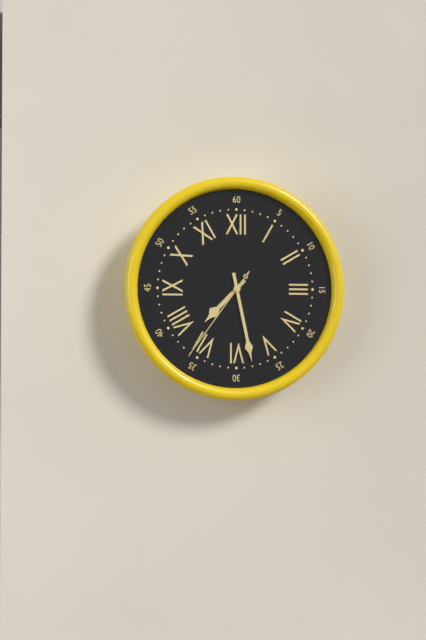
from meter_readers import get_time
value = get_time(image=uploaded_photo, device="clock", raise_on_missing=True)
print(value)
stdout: 7:28:36
